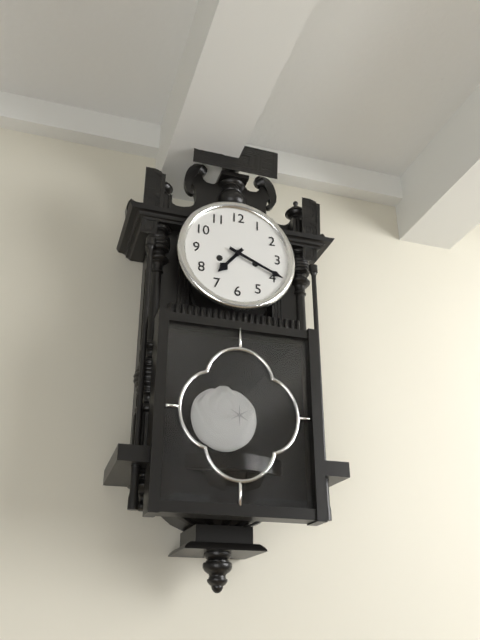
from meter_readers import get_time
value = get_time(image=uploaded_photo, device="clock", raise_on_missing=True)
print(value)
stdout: 7:19
